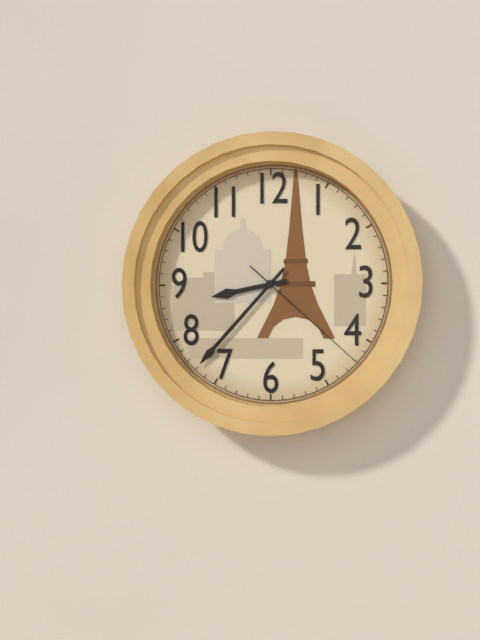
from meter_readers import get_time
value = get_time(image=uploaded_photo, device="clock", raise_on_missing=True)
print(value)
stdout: 8:37:22
